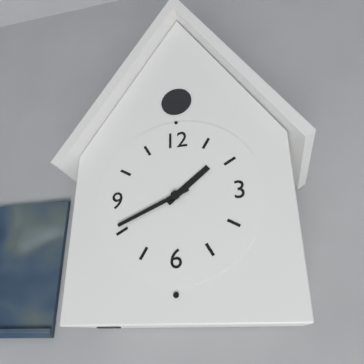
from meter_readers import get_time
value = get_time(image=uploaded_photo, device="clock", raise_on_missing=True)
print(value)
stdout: 1:41
